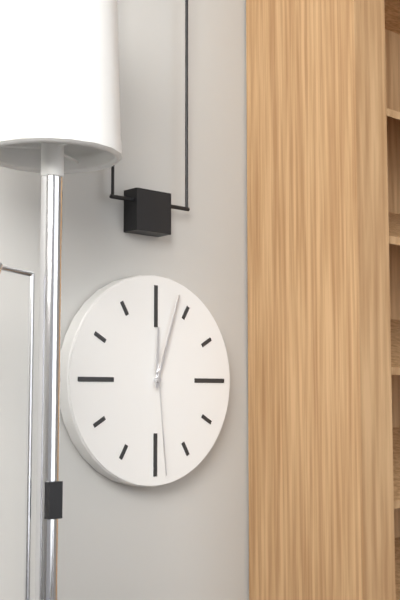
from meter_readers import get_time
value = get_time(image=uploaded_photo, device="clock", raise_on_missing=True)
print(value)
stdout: 12:03:29
